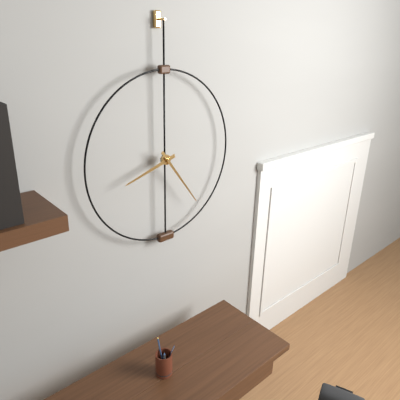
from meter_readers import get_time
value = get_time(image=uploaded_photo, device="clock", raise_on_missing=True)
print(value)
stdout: 8:24
